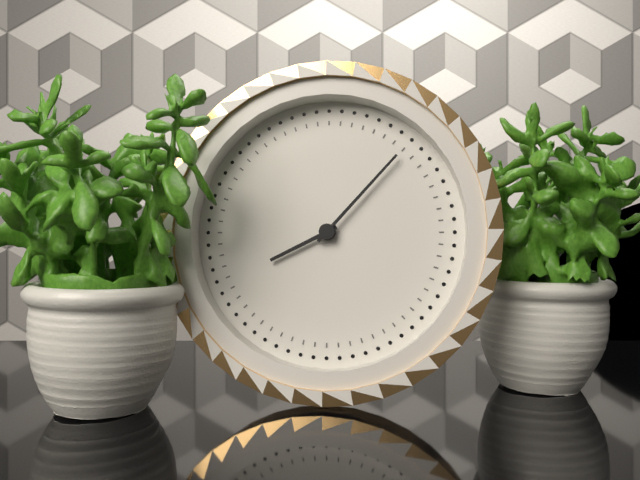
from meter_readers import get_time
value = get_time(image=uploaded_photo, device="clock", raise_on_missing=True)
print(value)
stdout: 8:07
